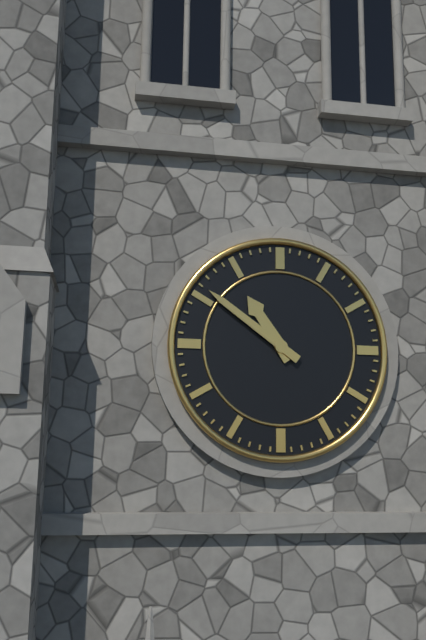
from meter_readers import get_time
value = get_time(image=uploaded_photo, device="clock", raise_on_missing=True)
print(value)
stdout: 10:51
